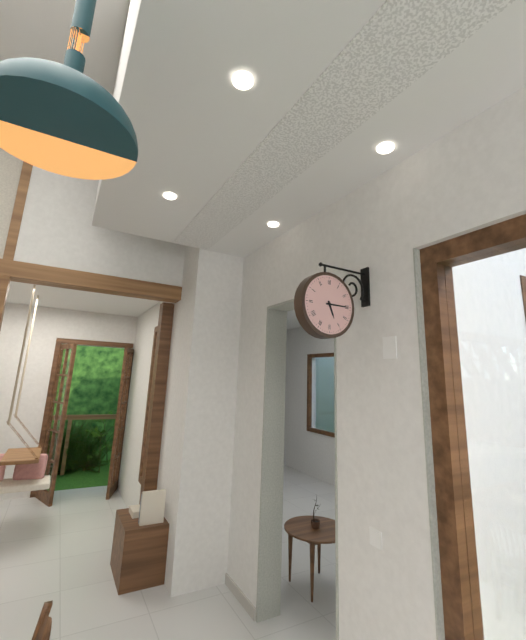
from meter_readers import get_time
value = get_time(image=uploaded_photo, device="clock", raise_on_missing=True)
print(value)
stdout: 5:15
